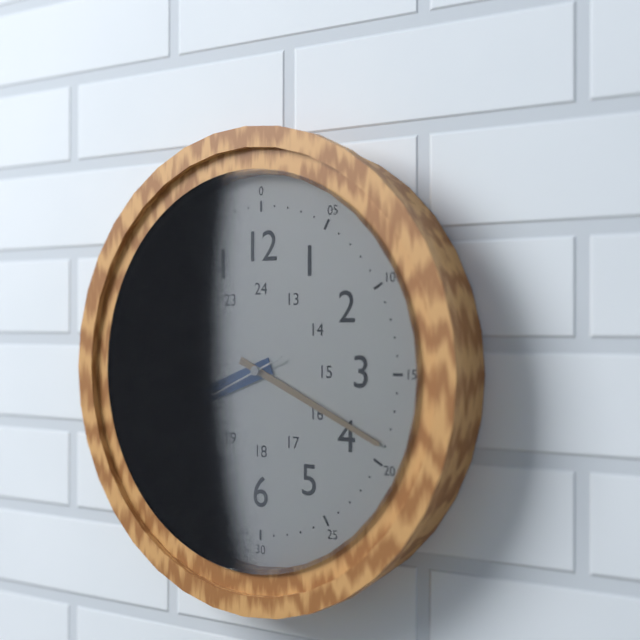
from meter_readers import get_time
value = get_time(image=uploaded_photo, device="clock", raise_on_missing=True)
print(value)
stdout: 8:19:41
